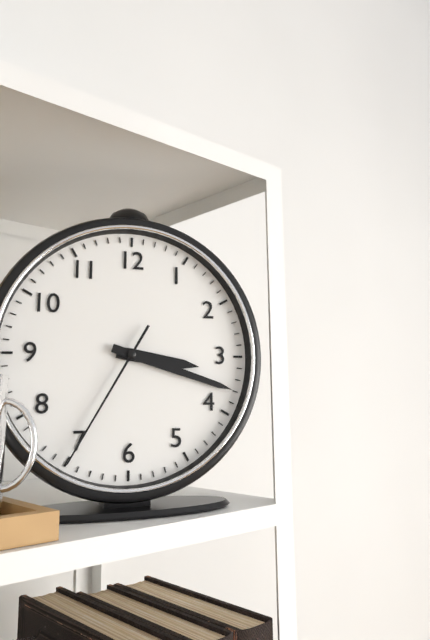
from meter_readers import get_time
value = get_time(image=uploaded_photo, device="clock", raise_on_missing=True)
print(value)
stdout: 3:18:35
